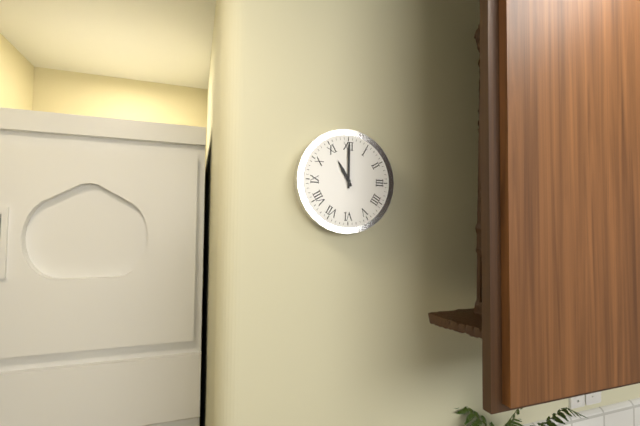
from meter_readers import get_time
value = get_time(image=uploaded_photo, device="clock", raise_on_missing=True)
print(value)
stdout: 11:00
